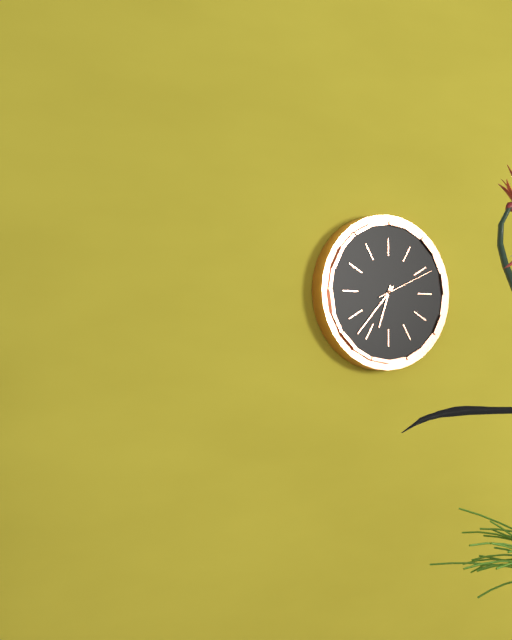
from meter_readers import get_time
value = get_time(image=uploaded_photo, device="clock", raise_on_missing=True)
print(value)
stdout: 6:37:11
